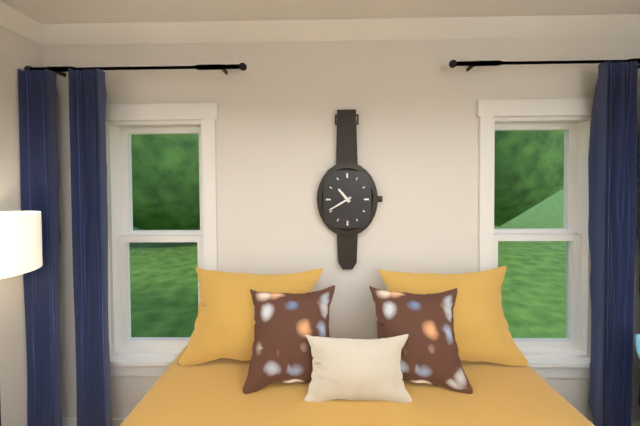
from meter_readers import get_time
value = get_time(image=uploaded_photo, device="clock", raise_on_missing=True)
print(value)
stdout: 10:40
